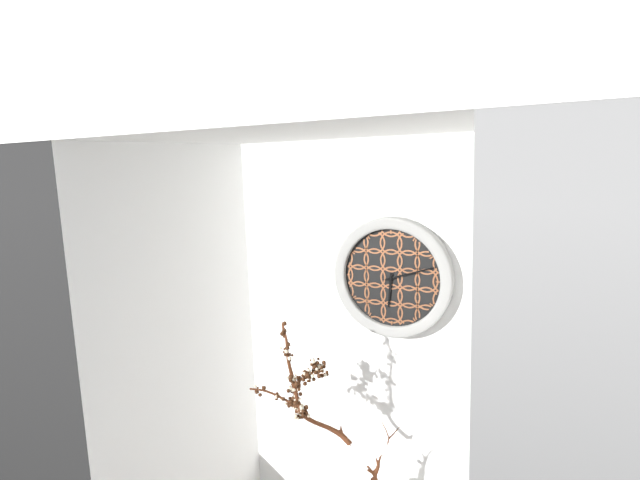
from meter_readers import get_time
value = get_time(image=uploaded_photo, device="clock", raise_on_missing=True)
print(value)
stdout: 6:12
